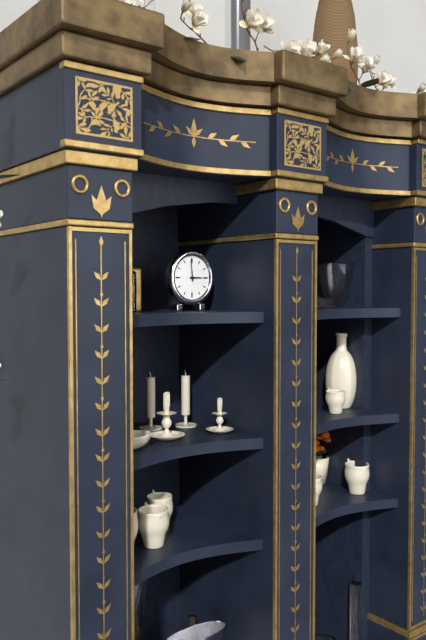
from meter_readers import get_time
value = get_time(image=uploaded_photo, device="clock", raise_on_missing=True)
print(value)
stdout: 2:59
